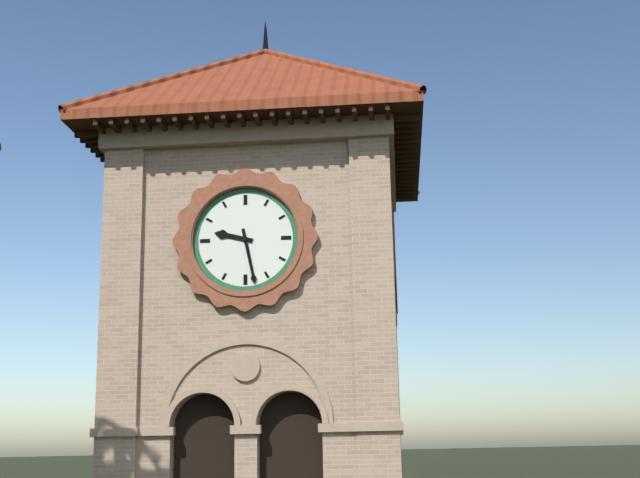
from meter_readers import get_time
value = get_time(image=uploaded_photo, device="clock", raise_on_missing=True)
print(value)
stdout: 9:28
